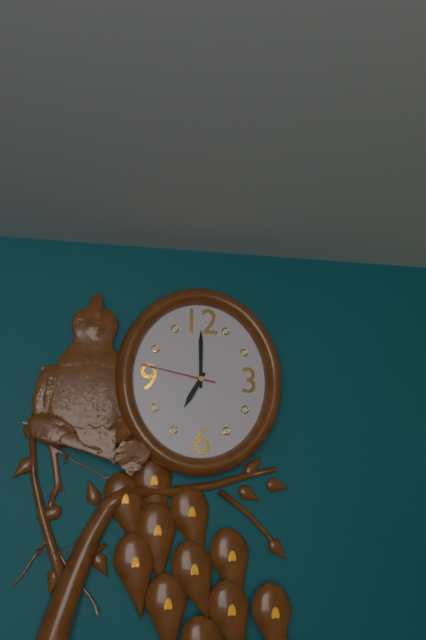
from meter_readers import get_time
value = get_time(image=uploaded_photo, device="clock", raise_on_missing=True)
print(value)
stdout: 7:00:47
